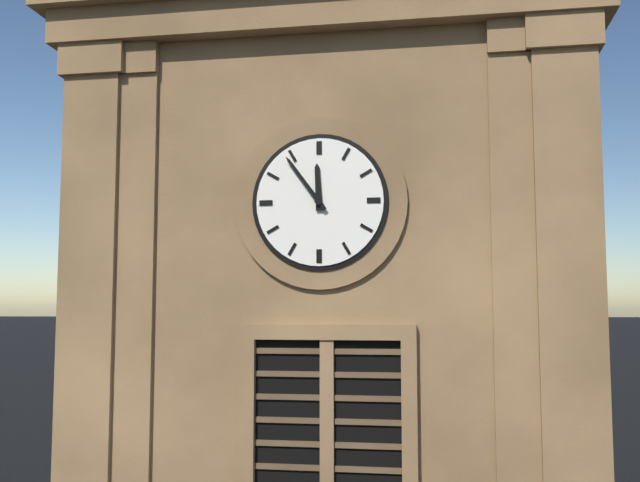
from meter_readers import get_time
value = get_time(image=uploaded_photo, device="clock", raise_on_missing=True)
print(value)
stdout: 11:54
